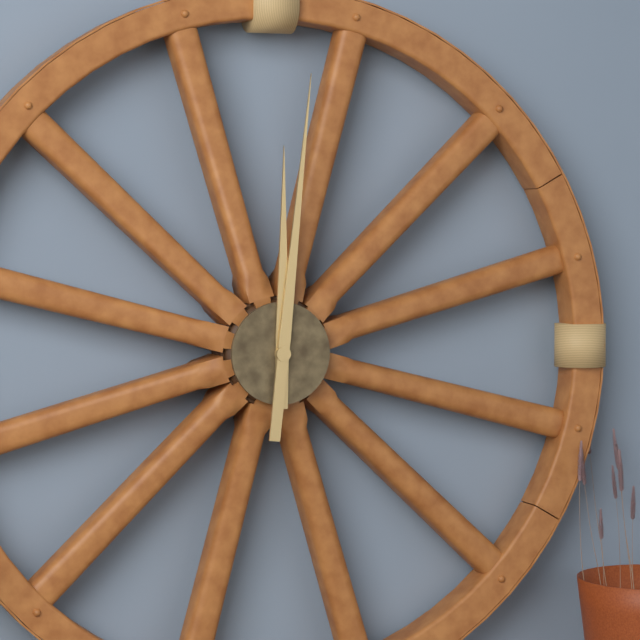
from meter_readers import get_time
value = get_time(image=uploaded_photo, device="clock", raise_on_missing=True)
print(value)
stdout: 12:01
